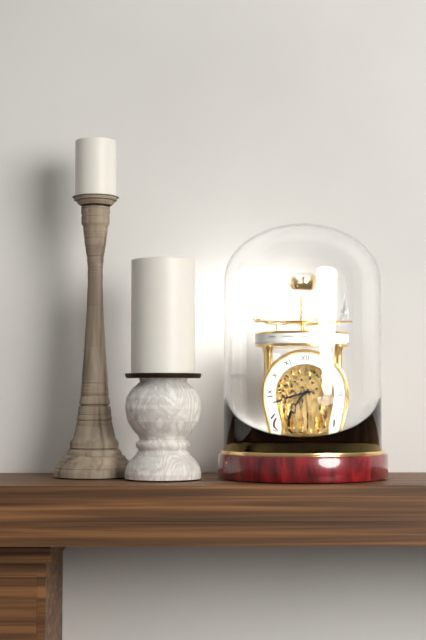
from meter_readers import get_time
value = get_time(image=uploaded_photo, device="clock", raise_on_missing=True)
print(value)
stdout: 7:43
